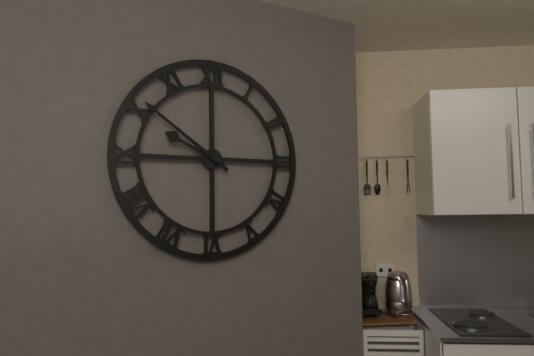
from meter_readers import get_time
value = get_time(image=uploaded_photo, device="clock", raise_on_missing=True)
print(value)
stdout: 9:51
